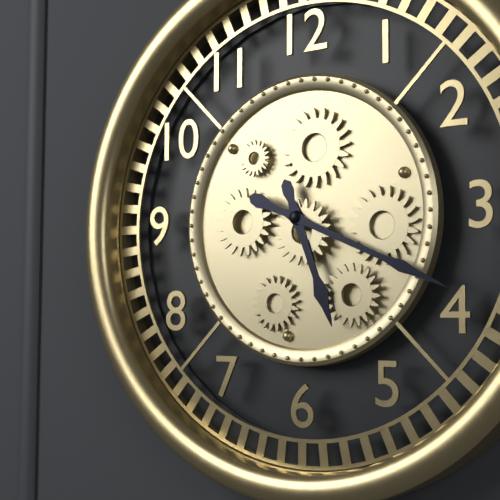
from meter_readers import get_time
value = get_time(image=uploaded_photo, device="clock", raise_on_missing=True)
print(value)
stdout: 5:19
